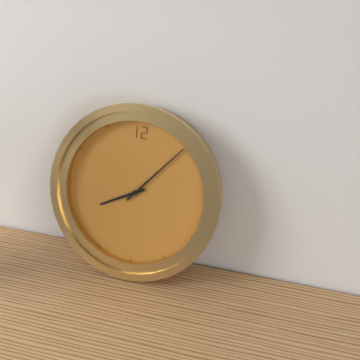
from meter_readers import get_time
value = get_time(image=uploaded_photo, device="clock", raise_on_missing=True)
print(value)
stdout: 8:07
